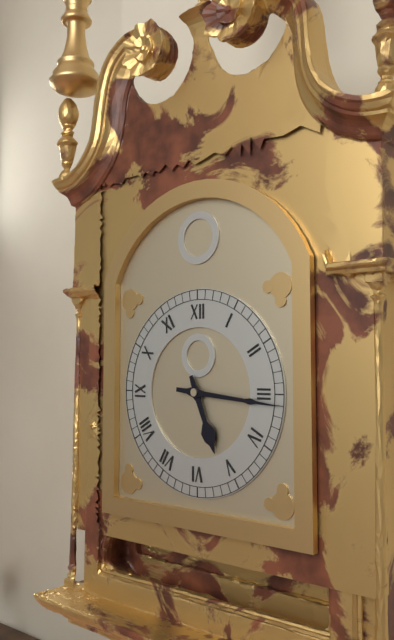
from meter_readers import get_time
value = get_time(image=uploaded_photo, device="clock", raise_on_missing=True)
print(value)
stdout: 5:16
